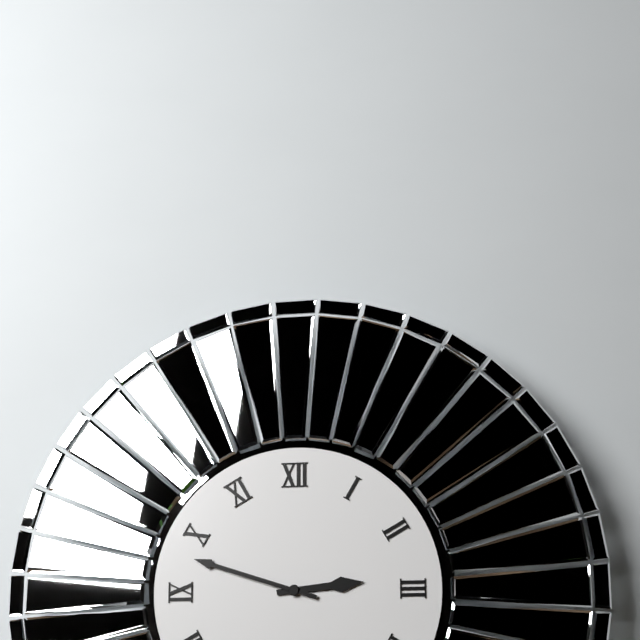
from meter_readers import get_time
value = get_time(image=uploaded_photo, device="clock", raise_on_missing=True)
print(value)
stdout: 2:48
